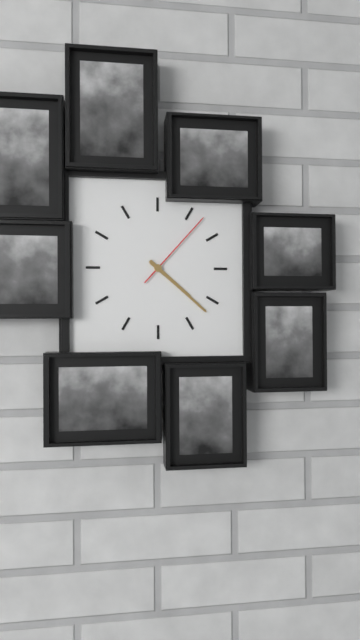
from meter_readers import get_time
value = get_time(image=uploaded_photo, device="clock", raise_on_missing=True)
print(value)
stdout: 4:22:07
